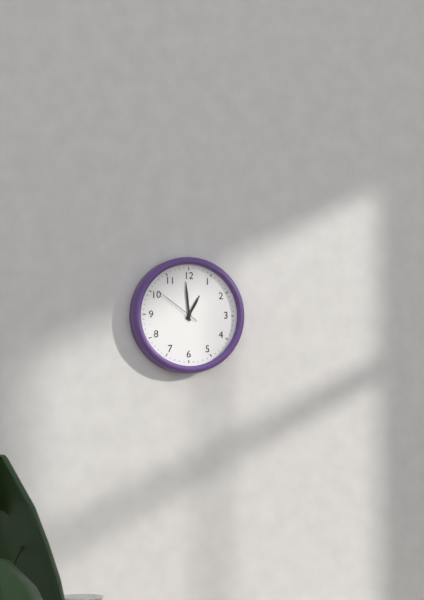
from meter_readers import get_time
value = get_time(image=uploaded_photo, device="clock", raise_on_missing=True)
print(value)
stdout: 12:59
